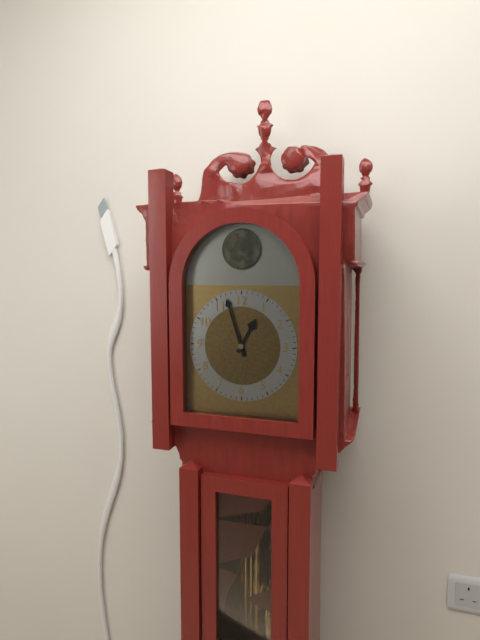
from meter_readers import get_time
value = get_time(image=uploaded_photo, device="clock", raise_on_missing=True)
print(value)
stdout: 12:57
